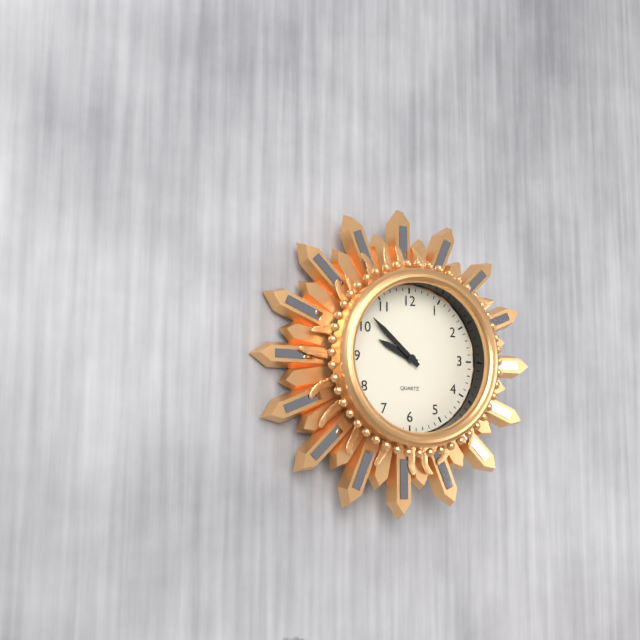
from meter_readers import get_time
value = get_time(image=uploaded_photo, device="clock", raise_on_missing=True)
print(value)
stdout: 9:52
